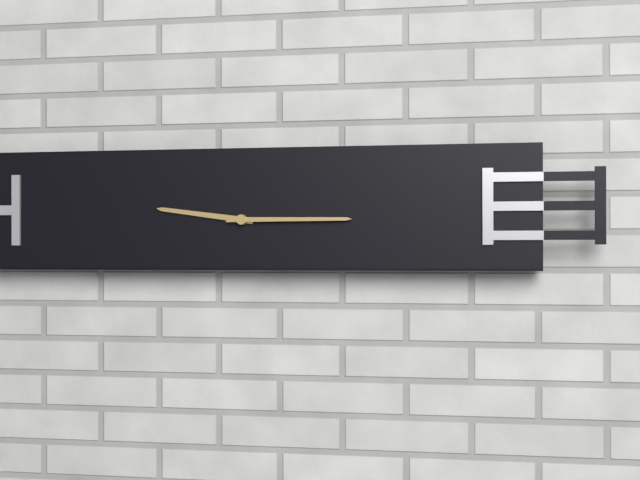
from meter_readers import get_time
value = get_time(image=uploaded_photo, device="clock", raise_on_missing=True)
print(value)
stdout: 9:15
